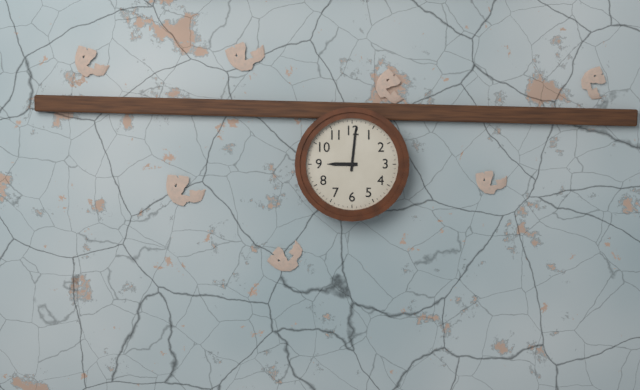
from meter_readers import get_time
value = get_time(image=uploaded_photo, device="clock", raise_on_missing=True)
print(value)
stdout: 9:01
